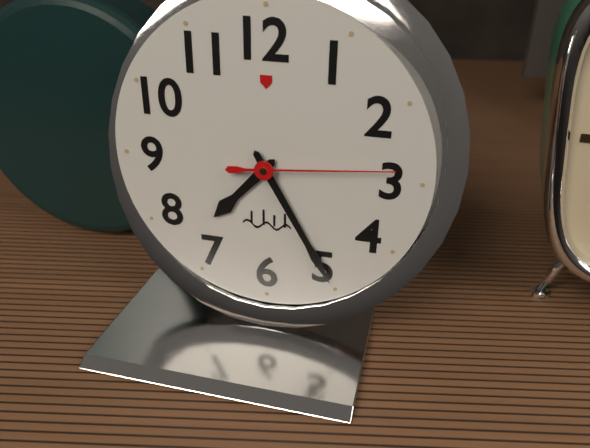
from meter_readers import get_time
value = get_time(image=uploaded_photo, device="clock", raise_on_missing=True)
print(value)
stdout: 7:25:14
